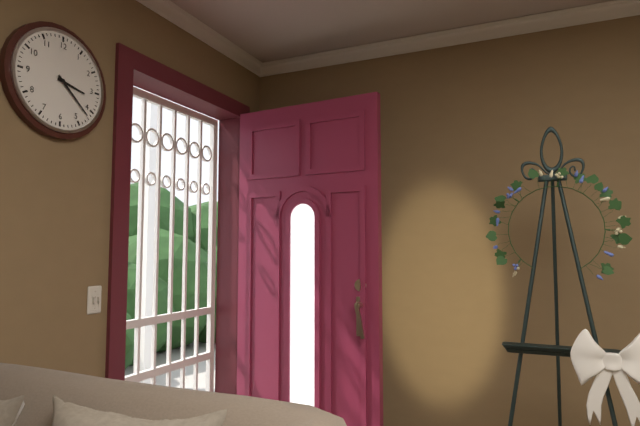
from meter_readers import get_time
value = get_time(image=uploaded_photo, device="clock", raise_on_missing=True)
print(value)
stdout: 3:22
